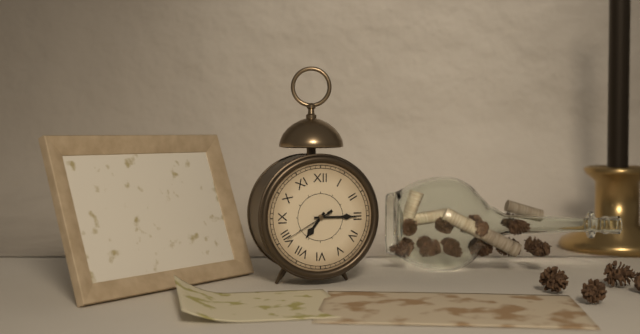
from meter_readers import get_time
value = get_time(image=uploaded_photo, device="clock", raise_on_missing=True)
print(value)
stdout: 7:15:40
